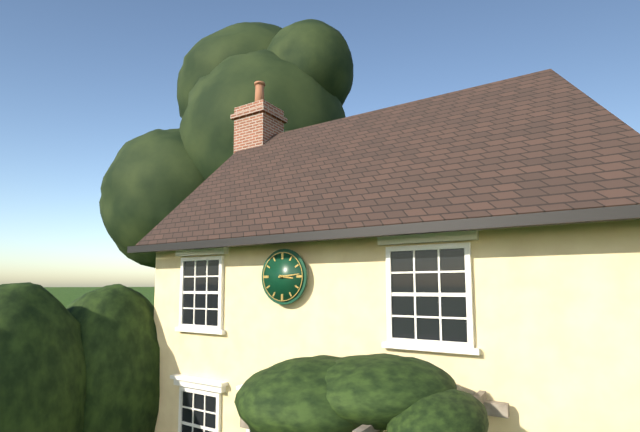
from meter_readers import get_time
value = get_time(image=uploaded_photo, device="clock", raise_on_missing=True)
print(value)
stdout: 3:14
